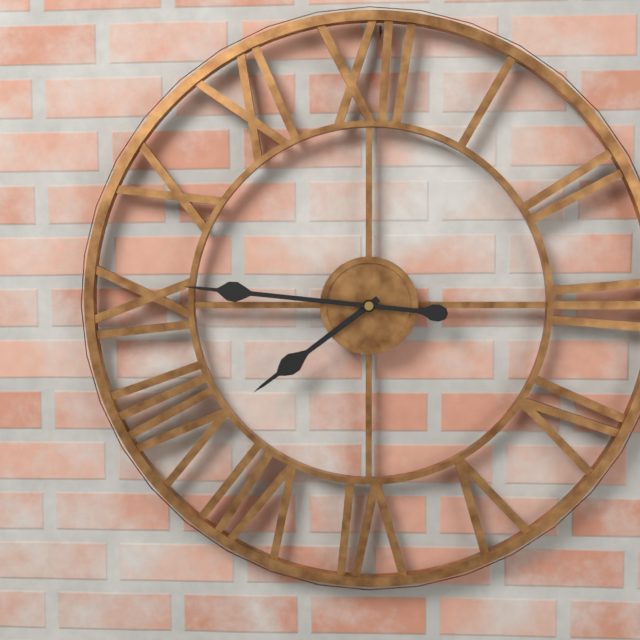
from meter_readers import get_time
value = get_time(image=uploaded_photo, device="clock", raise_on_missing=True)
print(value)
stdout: 7:46
